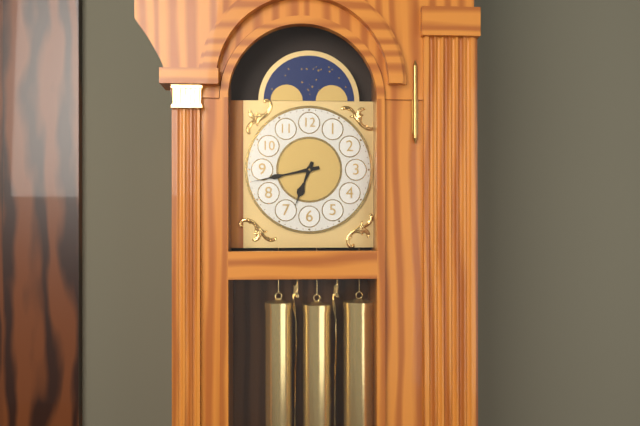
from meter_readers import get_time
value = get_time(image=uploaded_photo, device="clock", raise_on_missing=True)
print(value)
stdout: 6:43
